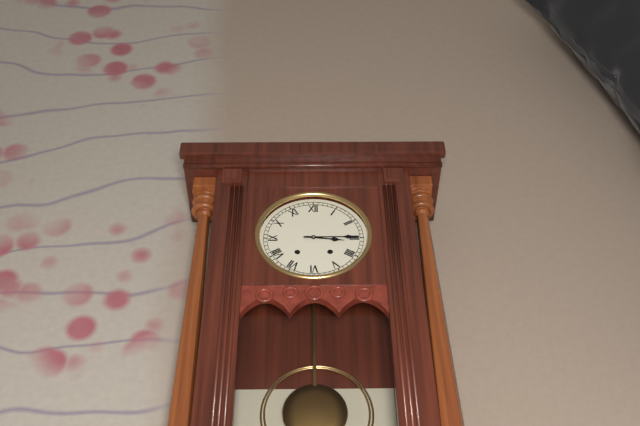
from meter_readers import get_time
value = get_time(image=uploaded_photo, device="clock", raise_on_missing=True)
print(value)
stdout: 3:15
